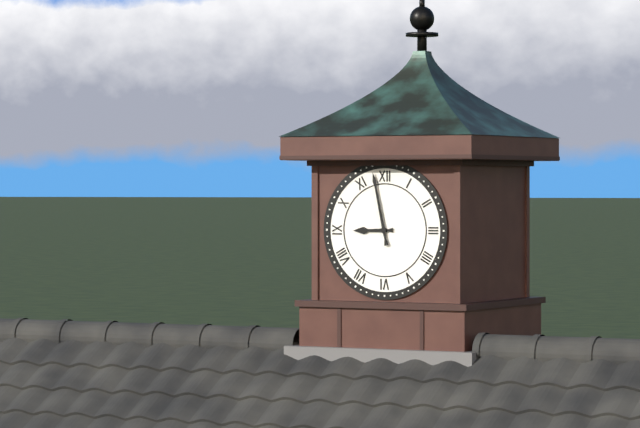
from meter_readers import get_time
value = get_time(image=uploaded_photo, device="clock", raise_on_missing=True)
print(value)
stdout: 8:58
